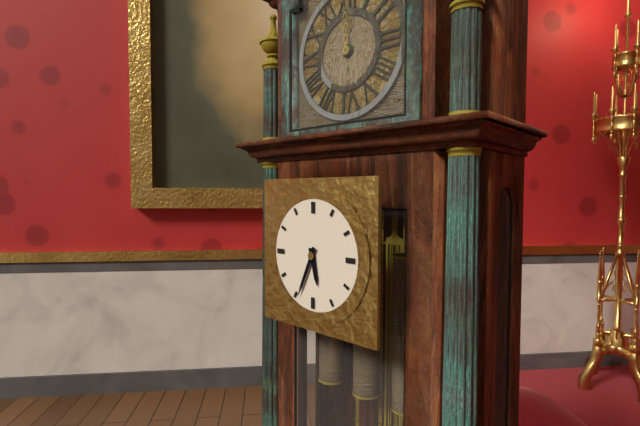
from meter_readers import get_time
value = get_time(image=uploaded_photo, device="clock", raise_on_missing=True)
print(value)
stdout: 5:34
